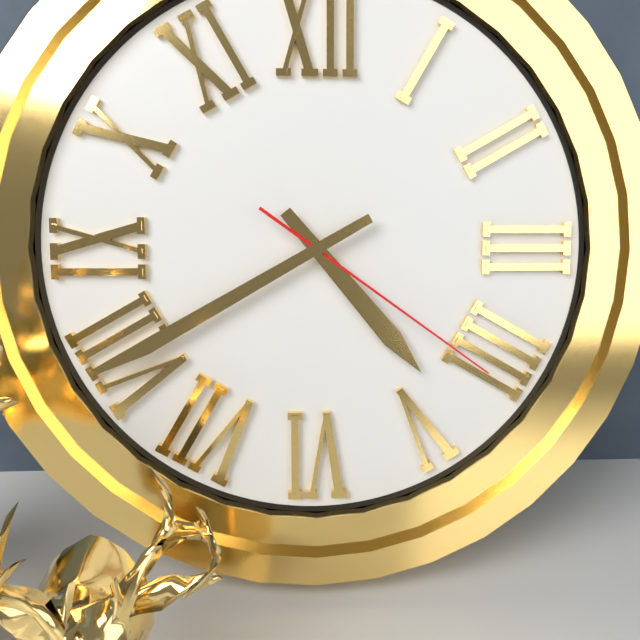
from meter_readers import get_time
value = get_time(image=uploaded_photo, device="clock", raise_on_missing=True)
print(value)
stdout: 4:40:21
